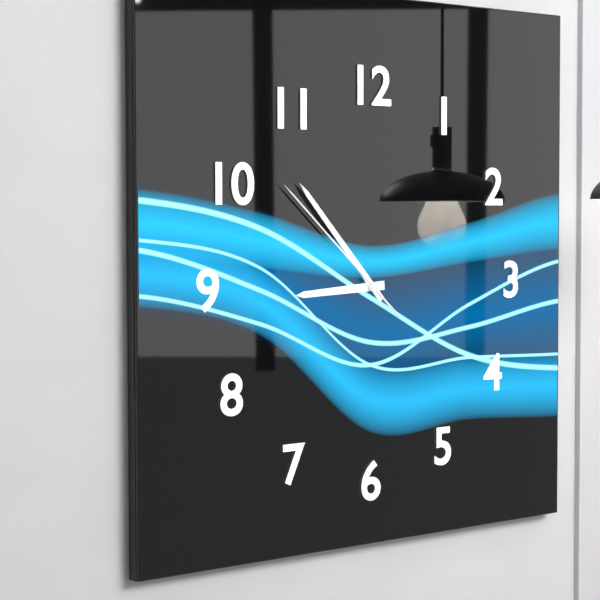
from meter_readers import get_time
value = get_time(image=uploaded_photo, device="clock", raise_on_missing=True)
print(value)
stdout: 8:53:52
